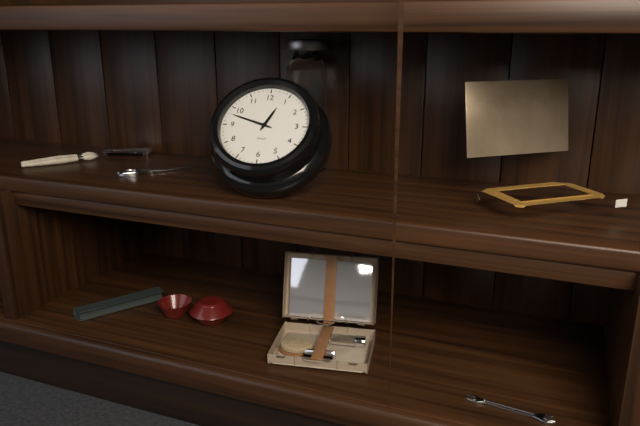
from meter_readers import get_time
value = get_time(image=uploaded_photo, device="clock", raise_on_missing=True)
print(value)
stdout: 12:48
